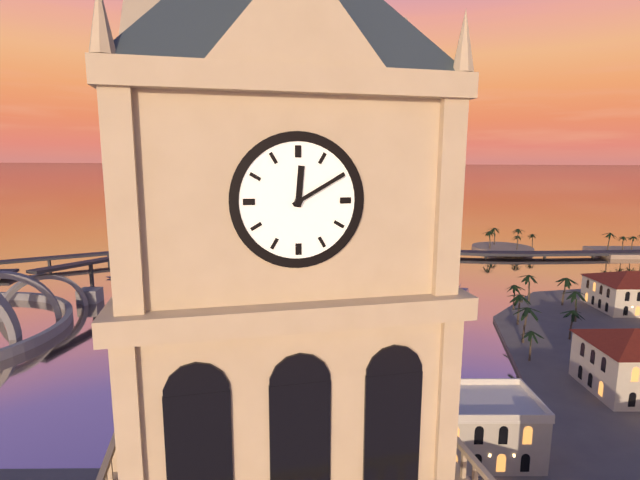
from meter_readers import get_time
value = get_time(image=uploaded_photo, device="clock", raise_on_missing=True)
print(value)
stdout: 12:10
